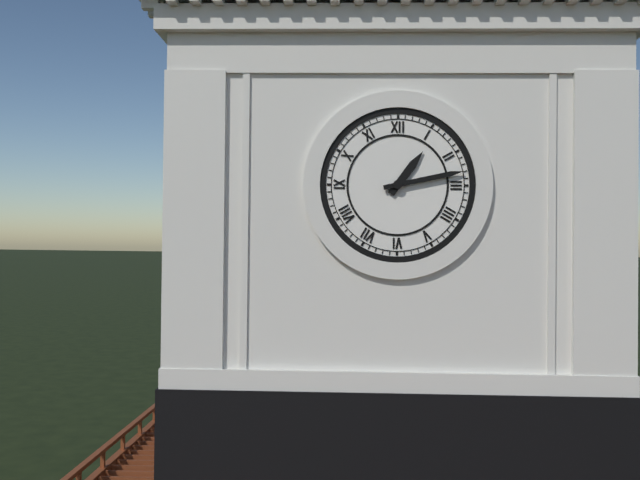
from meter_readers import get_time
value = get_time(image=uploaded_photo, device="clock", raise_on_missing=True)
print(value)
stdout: 1:13
